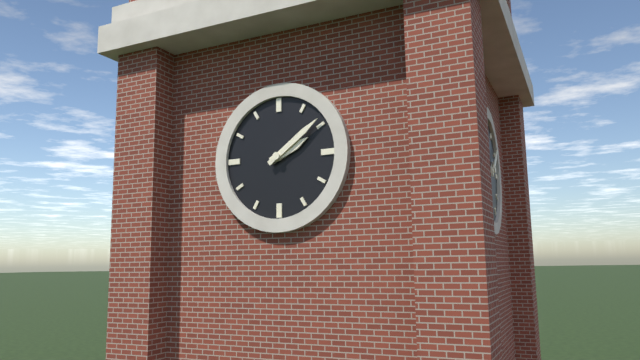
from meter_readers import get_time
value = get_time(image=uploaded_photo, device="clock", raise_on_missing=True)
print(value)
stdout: 2:09
